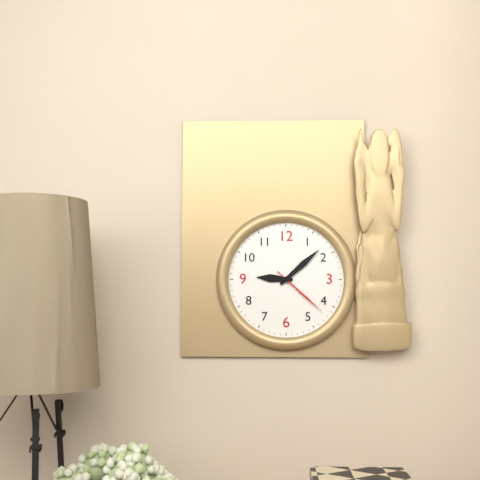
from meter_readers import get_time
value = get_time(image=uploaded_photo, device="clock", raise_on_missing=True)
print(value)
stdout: 9:08:22
